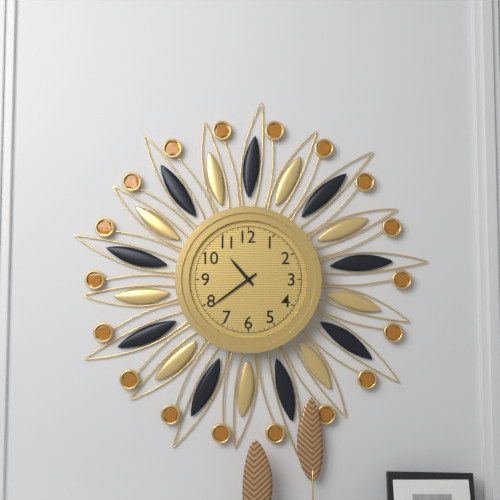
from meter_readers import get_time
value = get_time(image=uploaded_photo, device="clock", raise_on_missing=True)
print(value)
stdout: 10:39
